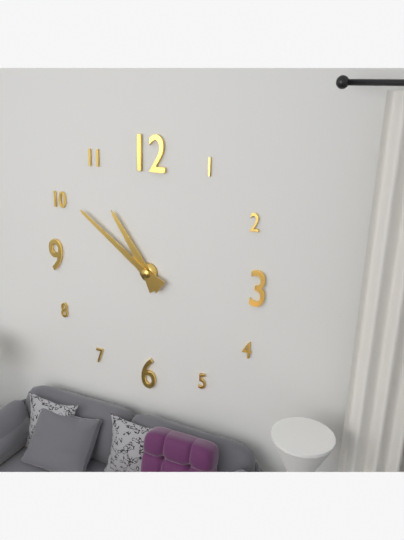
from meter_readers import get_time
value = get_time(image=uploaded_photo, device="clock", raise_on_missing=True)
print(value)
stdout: 10:51
